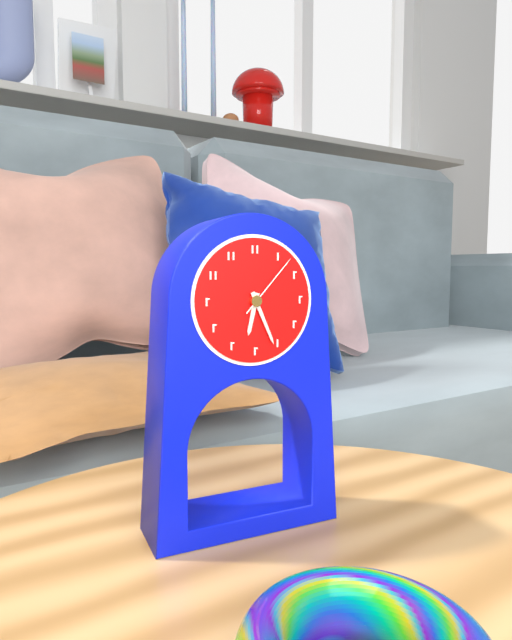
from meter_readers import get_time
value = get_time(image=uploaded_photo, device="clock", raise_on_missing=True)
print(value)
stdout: 6:26:07
